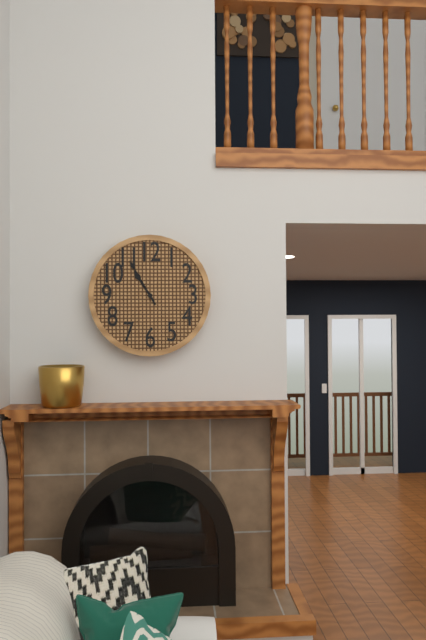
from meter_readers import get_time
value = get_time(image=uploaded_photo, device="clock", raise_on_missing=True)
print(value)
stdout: 10:55
